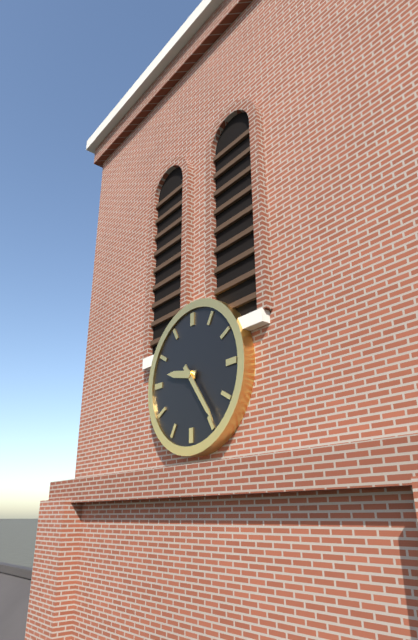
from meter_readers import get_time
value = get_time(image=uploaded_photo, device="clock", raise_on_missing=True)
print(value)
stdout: 9:24
